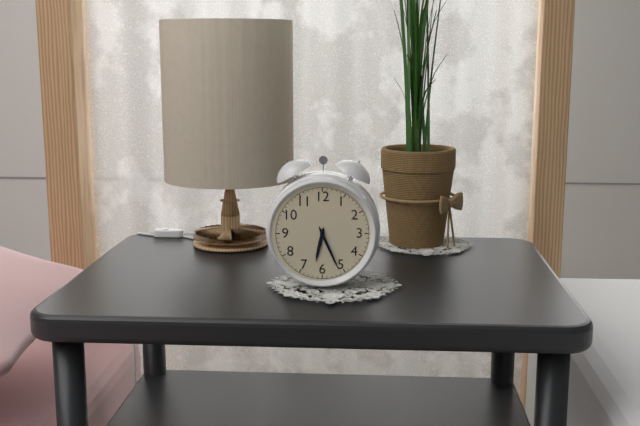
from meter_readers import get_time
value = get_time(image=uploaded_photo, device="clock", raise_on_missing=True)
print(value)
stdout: 6:26
